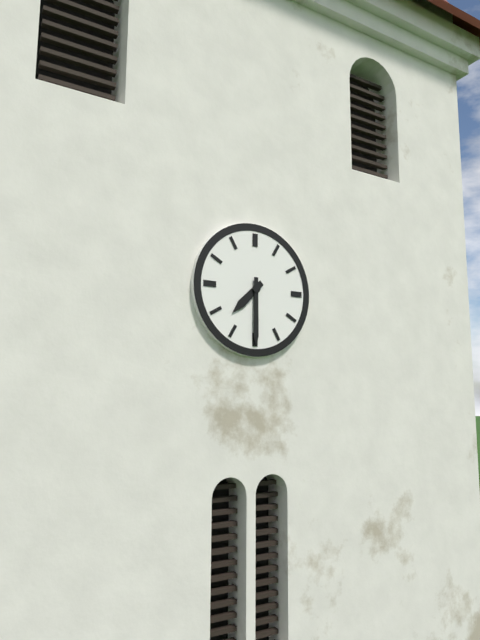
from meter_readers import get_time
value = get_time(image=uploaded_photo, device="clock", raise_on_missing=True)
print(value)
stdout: 7:30
